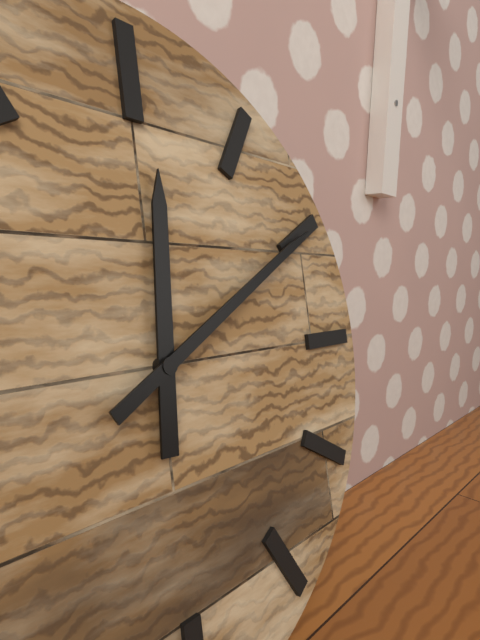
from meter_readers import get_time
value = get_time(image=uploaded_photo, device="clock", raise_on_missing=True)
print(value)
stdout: 12:10
